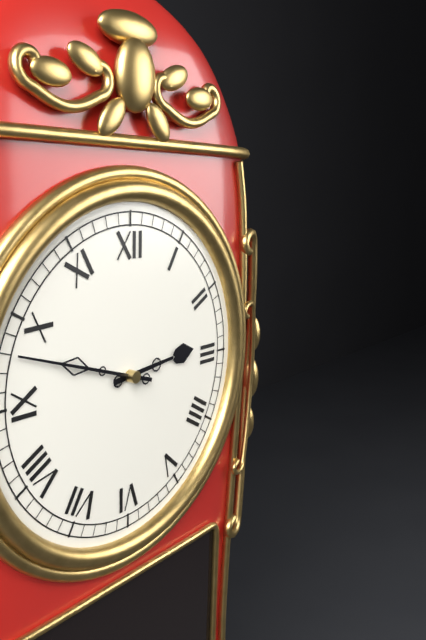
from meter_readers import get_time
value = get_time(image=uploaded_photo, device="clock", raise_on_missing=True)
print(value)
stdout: 2:48
